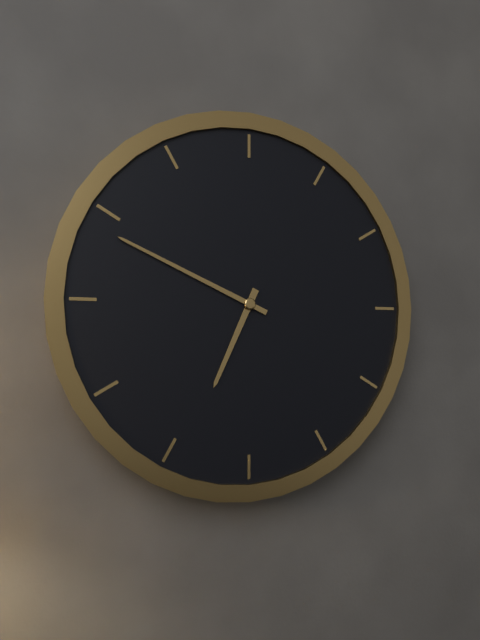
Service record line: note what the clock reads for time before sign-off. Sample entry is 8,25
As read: 6,49
